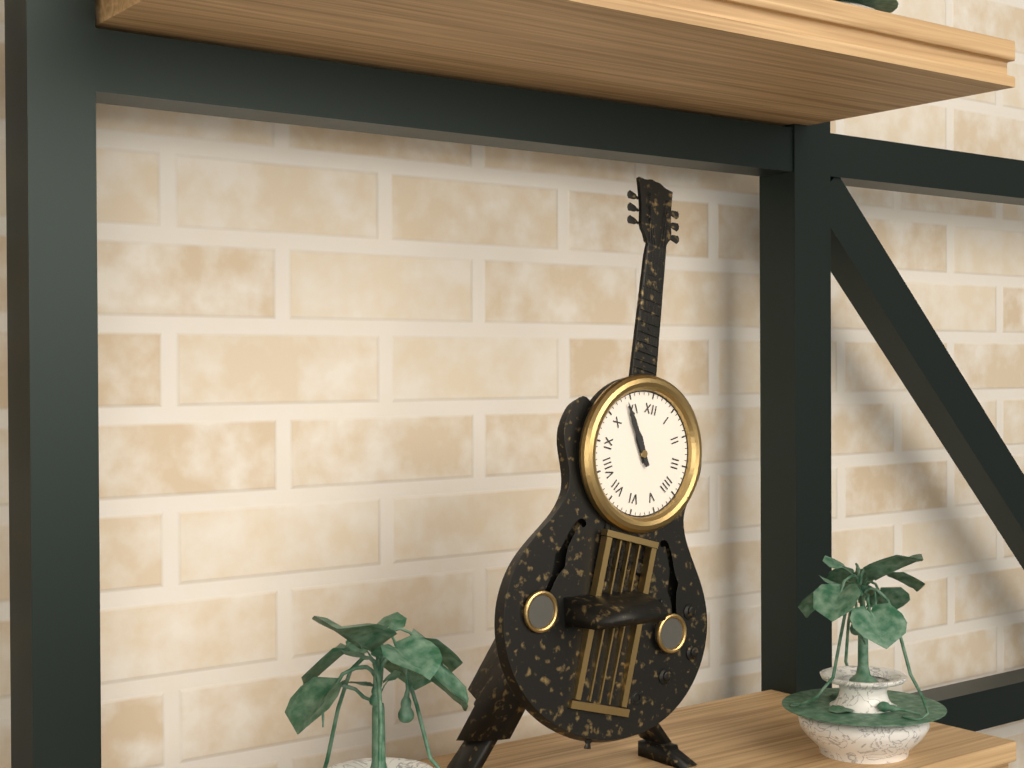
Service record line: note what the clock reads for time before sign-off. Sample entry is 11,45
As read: 10,54
